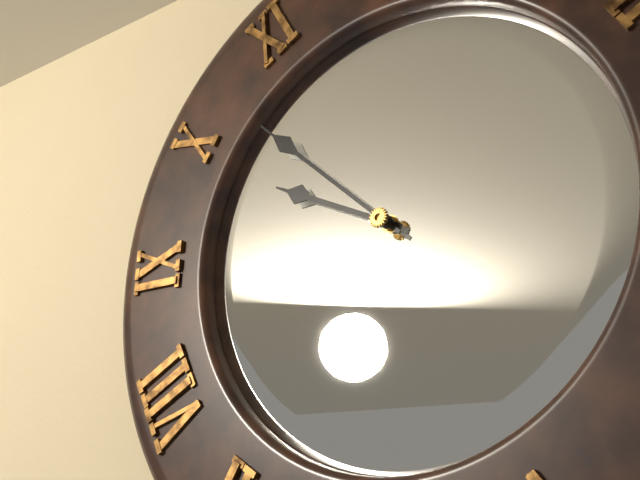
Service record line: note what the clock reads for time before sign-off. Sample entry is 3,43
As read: 9,52
